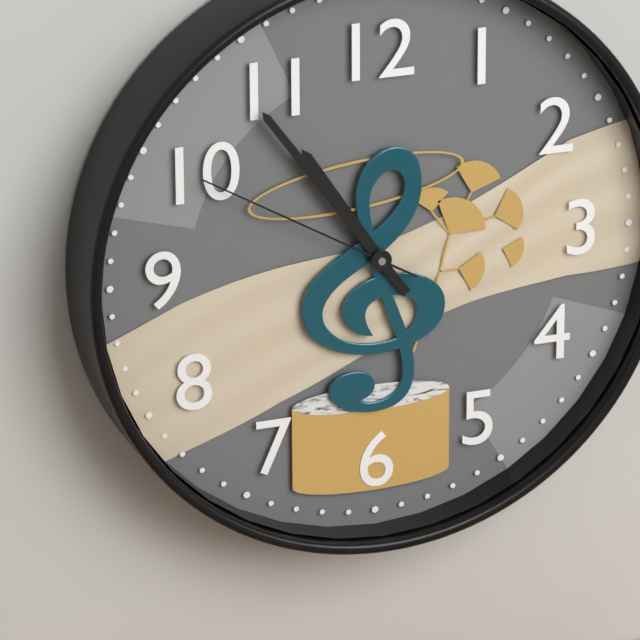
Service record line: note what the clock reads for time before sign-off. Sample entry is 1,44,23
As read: 10,54,50
